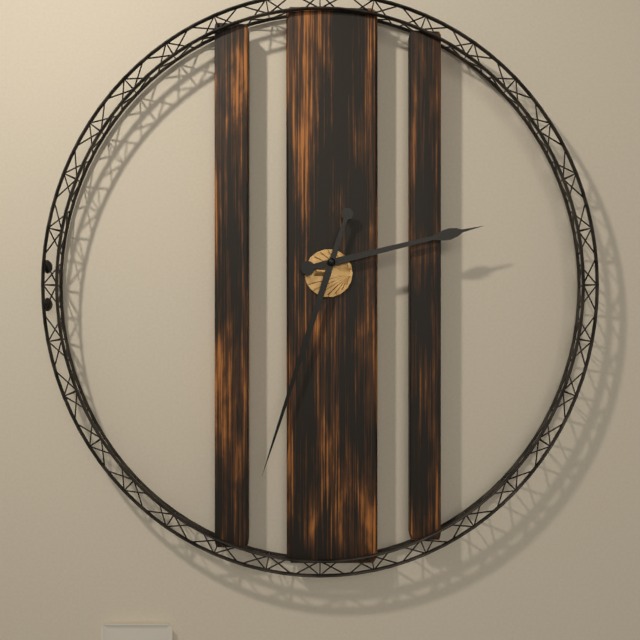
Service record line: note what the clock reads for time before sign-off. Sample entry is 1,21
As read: 2,33
